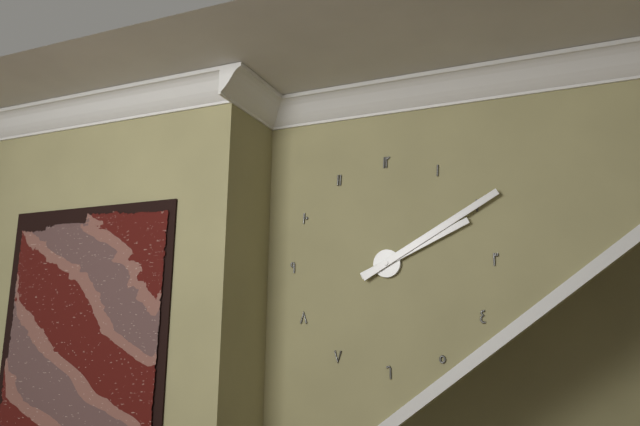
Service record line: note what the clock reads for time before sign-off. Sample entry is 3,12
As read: 2,10
